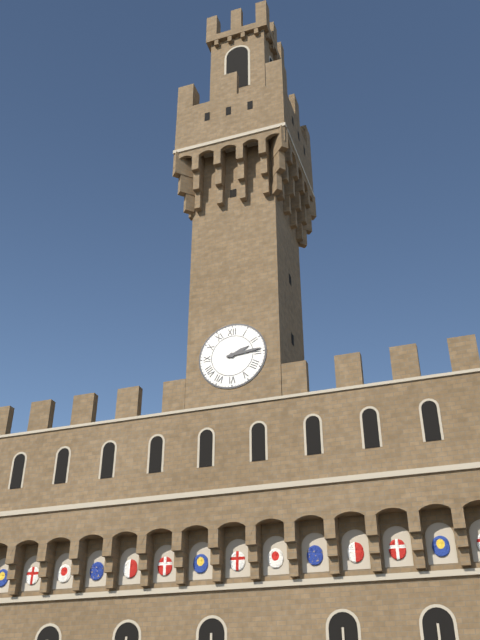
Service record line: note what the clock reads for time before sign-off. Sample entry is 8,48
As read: 2,14
